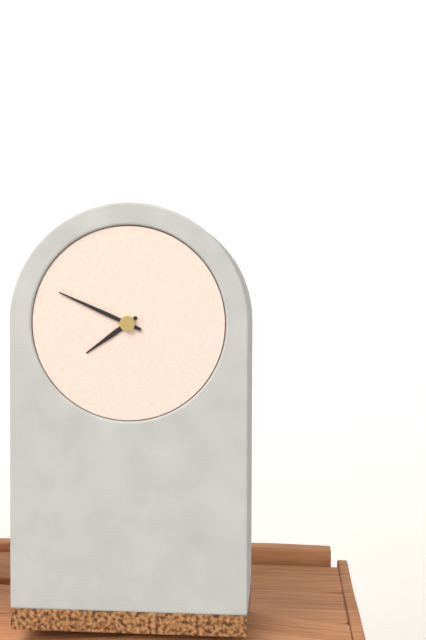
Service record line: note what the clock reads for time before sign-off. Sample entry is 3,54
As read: 7,49
